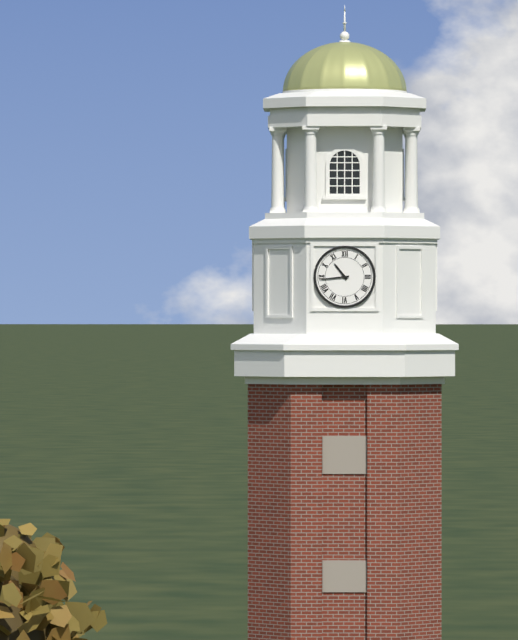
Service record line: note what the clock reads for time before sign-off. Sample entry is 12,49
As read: 10,44
